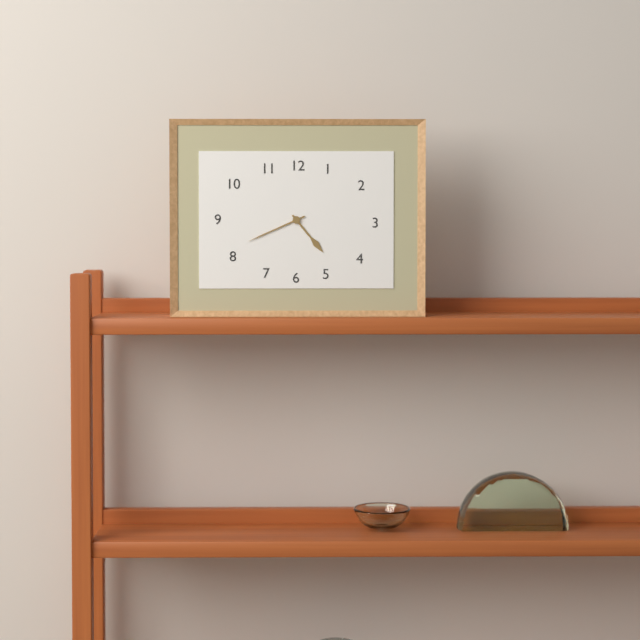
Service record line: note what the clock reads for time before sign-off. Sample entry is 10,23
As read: 4,41
